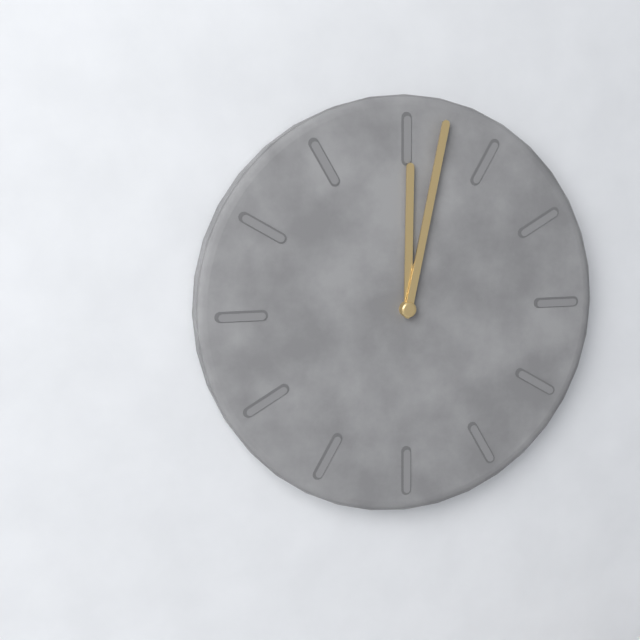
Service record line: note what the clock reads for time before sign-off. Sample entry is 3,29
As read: 12,02
